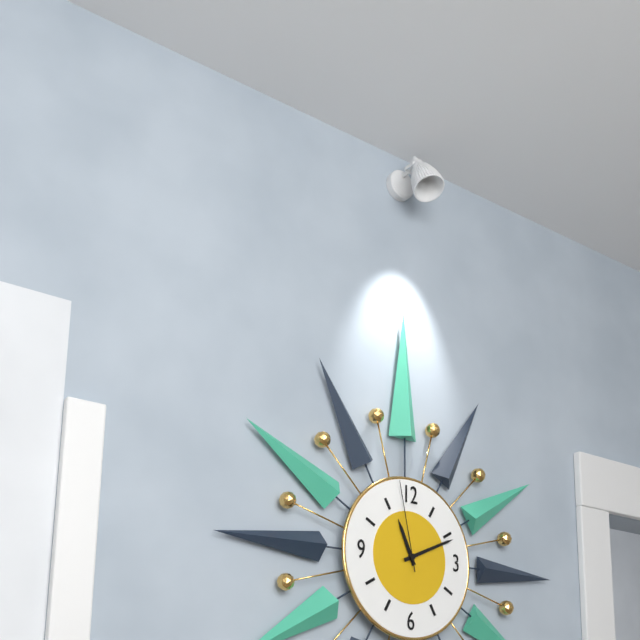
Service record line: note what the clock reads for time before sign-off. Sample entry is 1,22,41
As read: 11,11,58
